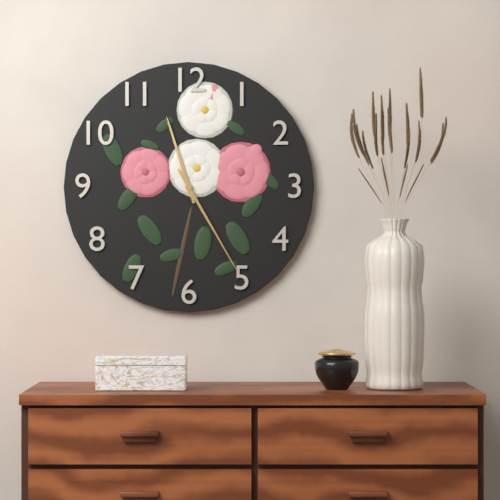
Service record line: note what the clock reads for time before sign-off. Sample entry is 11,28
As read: 11,25
